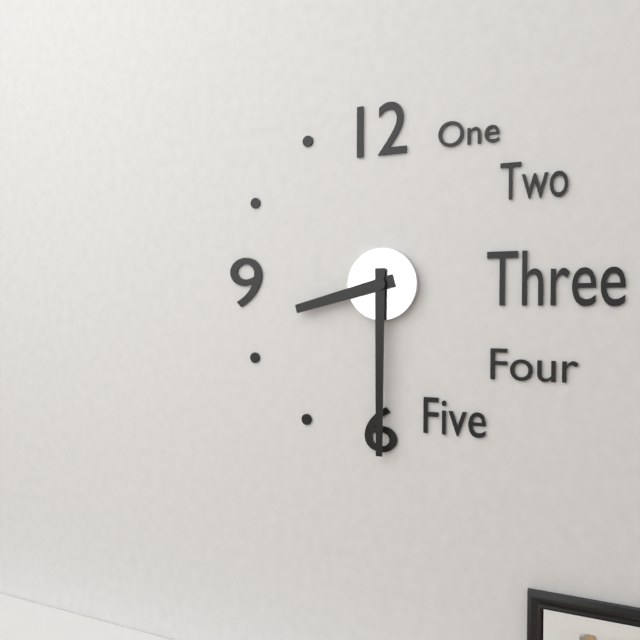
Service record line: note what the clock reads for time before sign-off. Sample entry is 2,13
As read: 8,30
